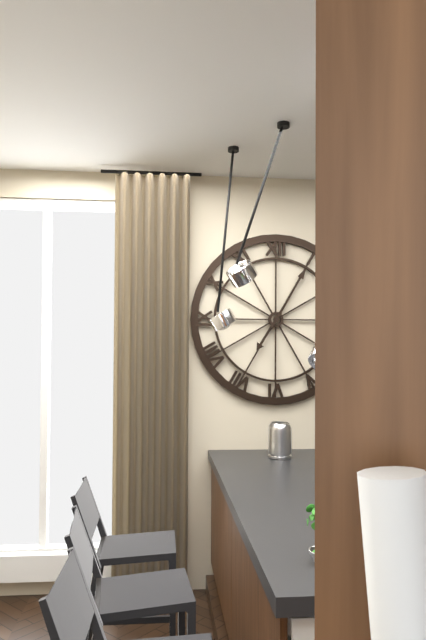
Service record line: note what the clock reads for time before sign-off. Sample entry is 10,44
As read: 7,05
